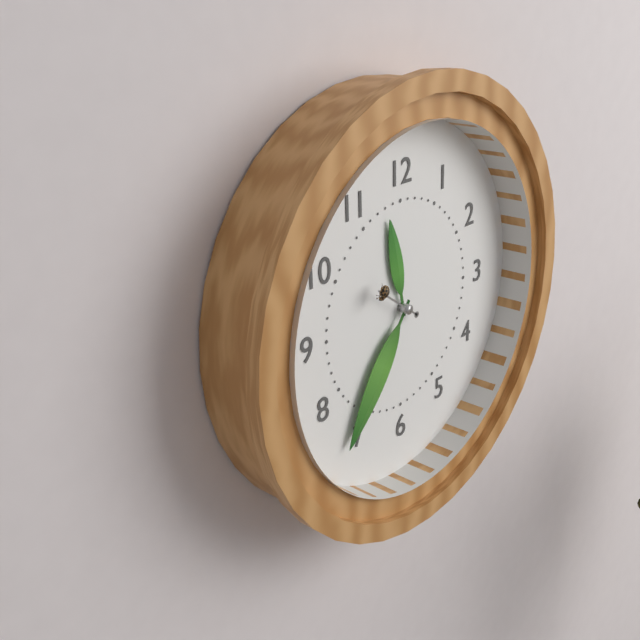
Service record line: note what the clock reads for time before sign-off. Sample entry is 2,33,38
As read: 11,36,51
